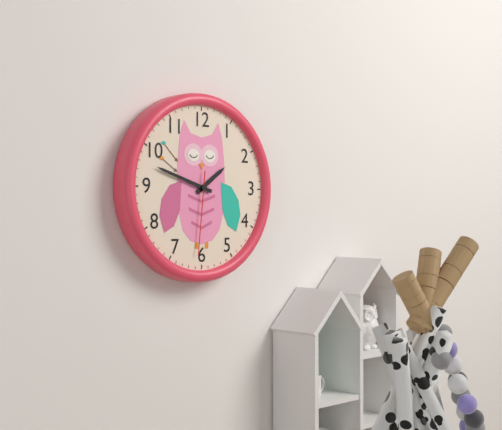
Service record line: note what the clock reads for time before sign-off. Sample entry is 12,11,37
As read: 1,48,31
